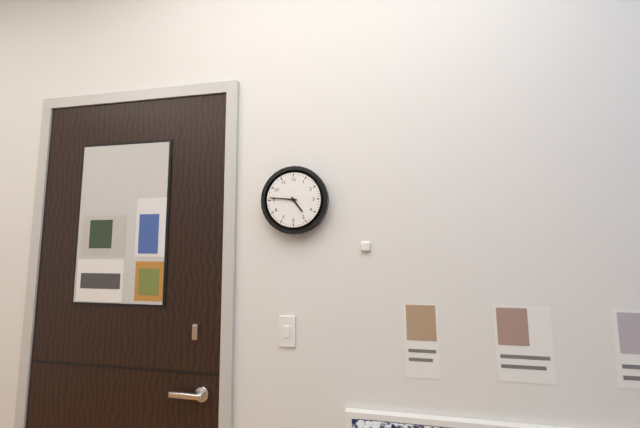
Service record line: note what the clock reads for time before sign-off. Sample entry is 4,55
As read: 4,46
